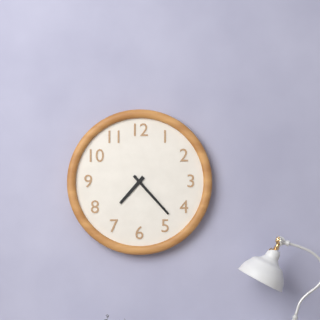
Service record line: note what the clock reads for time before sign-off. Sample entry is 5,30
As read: 7,23
